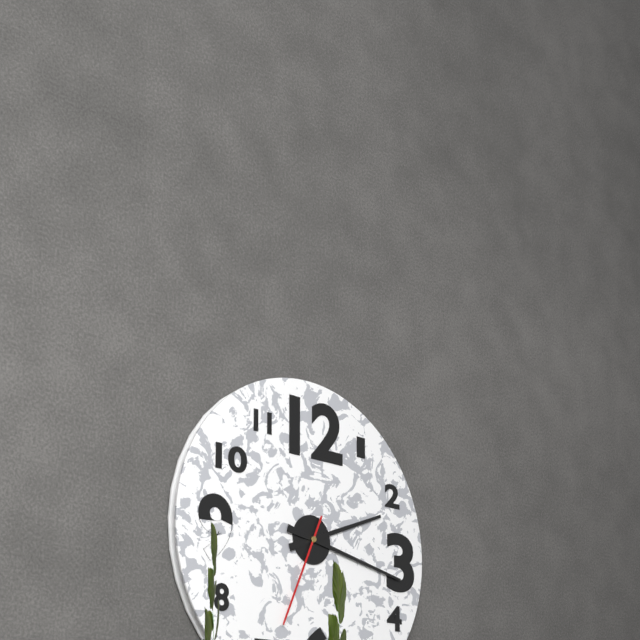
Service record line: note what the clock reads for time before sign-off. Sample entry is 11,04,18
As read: 2,17,34
